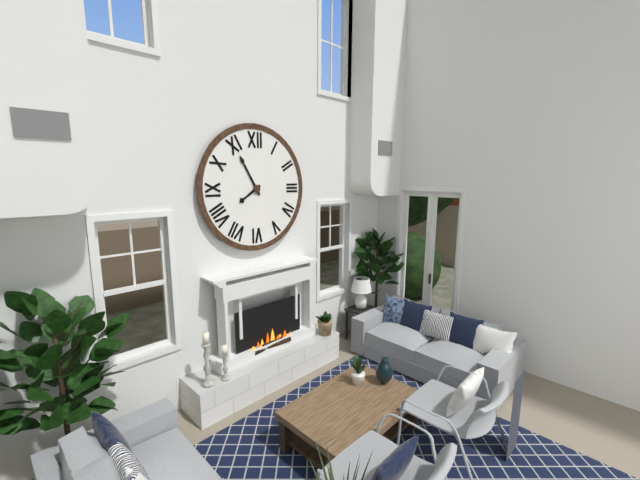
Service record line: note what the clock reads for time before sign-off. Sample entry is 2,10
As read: 7,55
